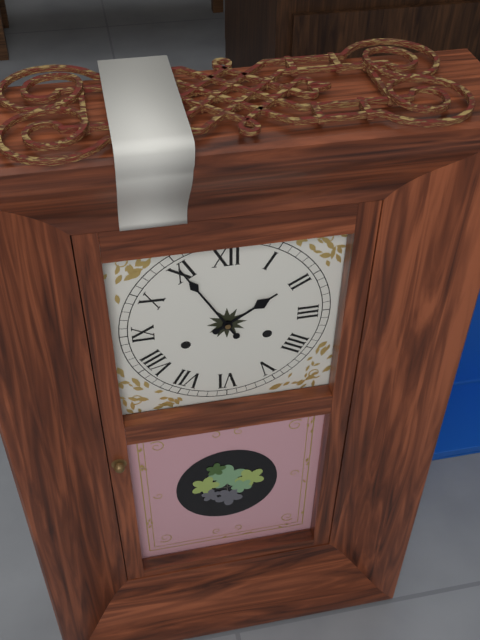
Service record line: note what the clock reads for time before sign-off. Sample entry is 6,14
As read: 1,55
